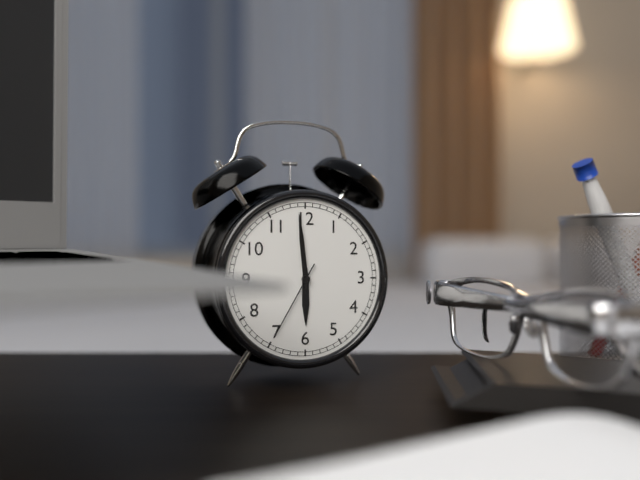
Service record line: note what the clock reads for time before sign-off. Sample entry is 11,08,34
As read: 5,59,35
